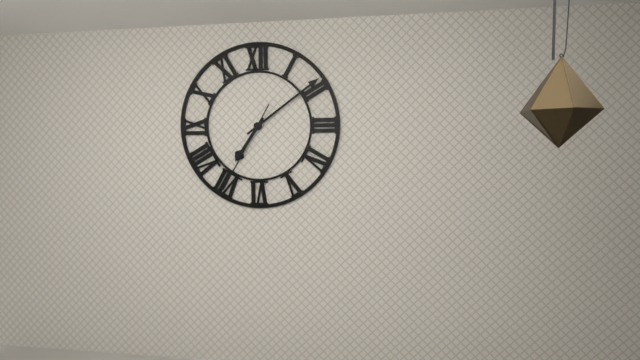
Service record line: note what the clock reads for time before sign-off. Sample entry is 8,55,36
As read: 7,09,35
